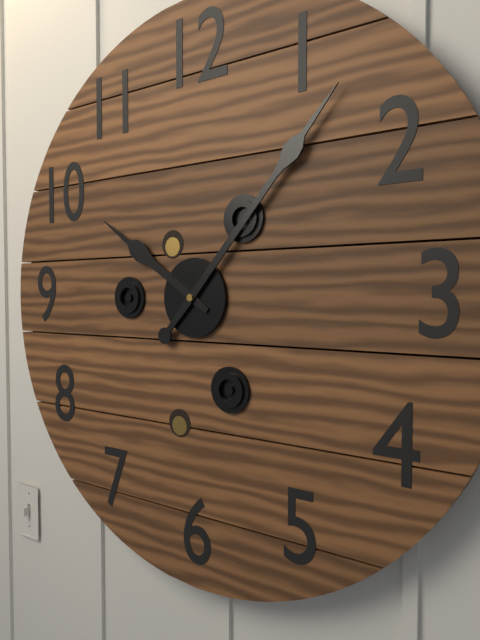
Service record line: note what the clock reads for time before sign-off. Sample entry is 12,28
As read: 10,07
